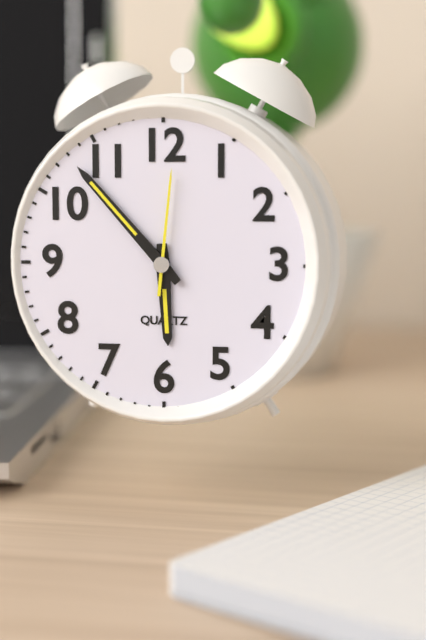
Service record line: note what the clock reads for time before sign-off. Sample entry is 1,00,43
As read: 5,53,01
